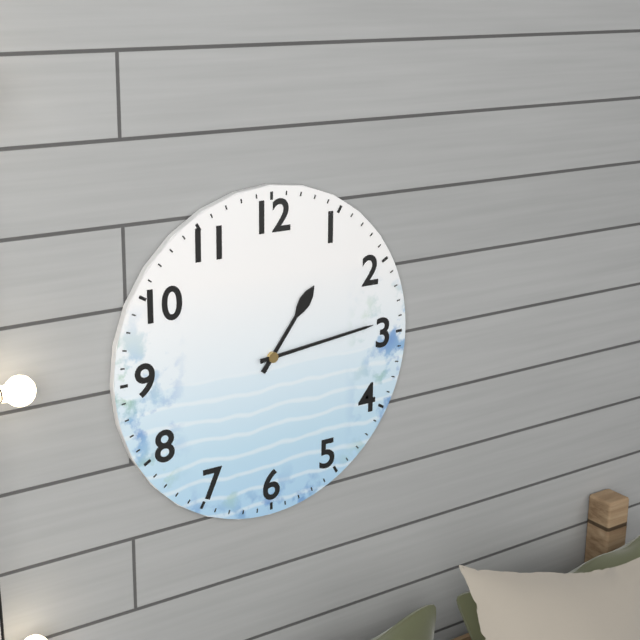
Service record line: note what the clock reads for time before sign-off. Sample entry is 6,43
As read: 1,14
